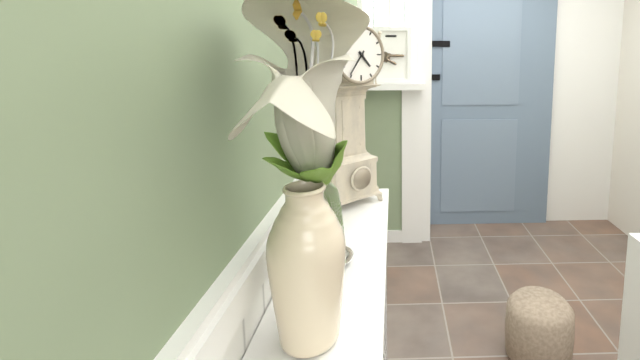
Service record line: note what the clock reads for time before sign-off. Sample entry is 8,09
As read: 4,36
